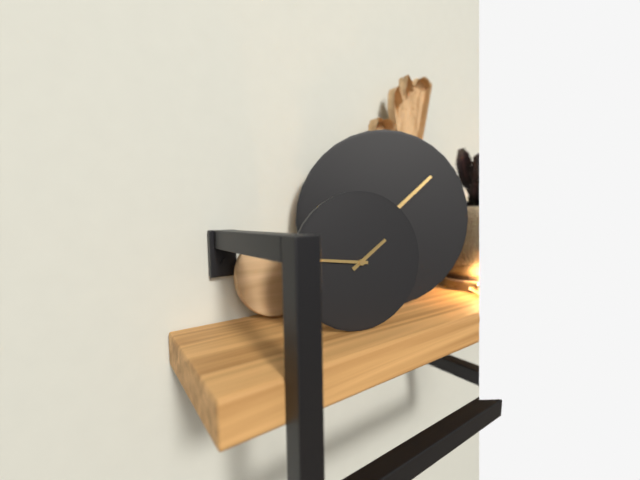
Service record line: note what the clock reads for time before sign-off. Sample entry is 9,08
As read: 1,46
